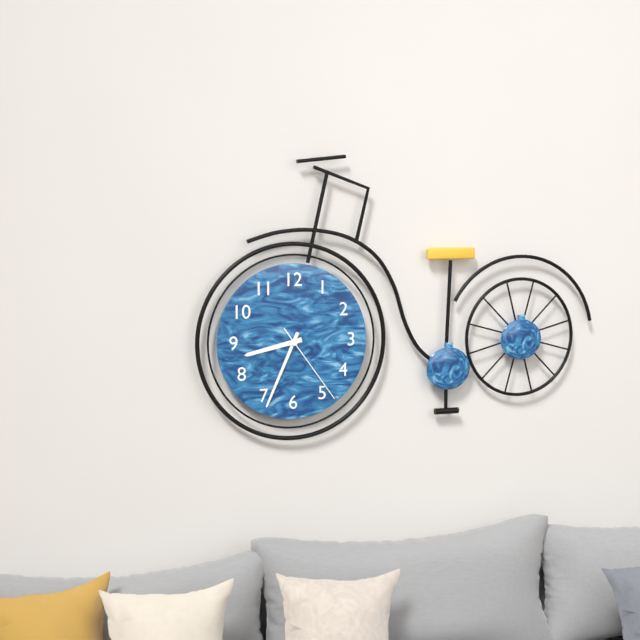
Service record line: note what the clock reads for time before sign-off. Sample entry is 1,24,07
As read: 8,34,24
